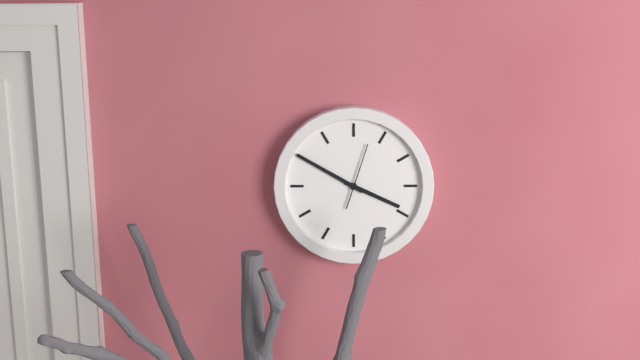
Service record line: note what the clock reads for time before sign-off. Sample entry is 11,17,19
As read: 3,50,03
